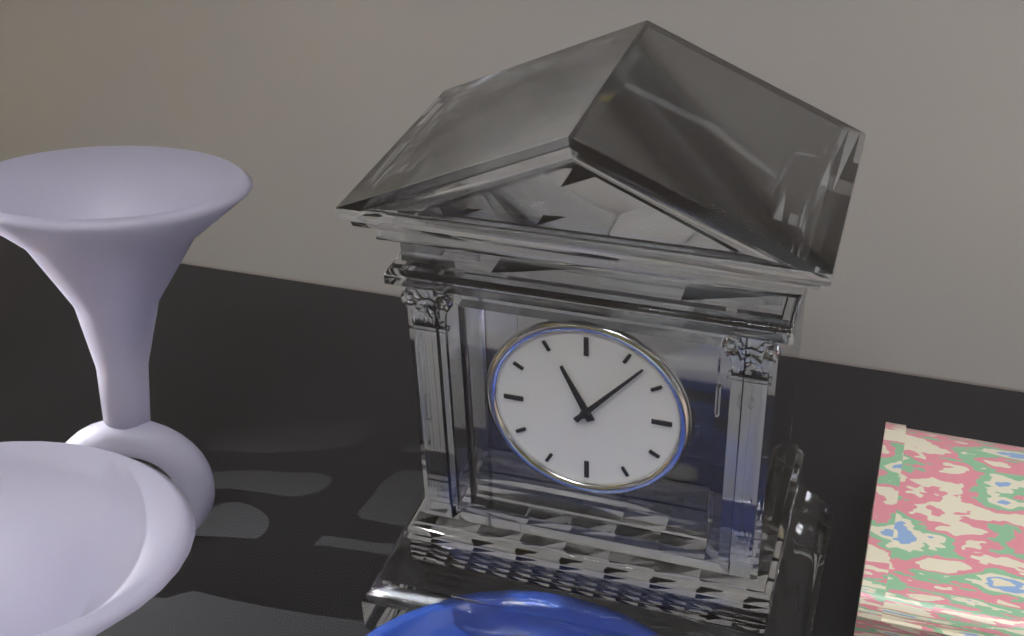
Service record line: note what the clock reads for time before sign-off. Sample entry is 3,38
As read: 11,07
